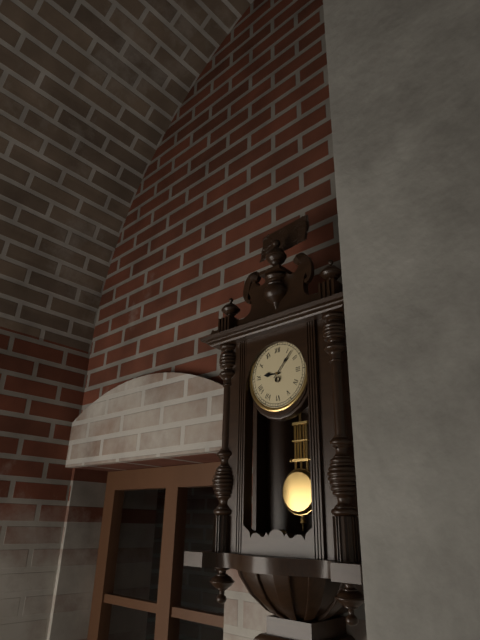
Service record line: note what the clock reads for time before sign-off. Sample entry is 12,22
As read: 9,07
